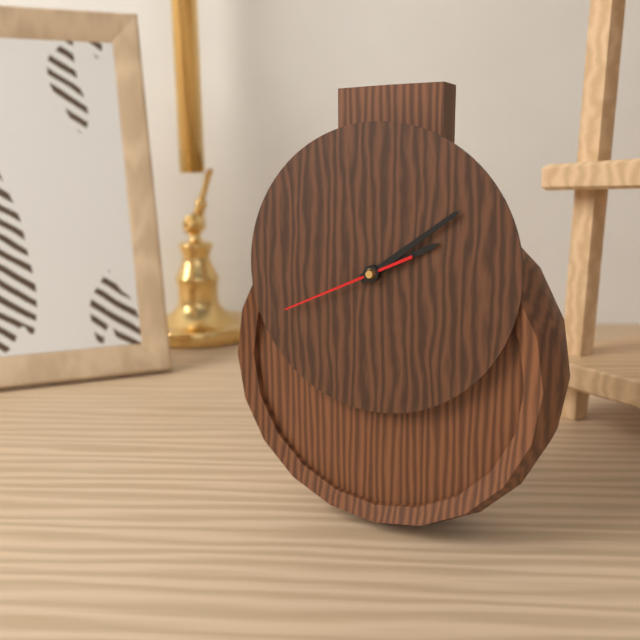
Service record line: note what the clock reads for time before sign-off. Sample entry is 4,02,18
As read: 2,09,41
